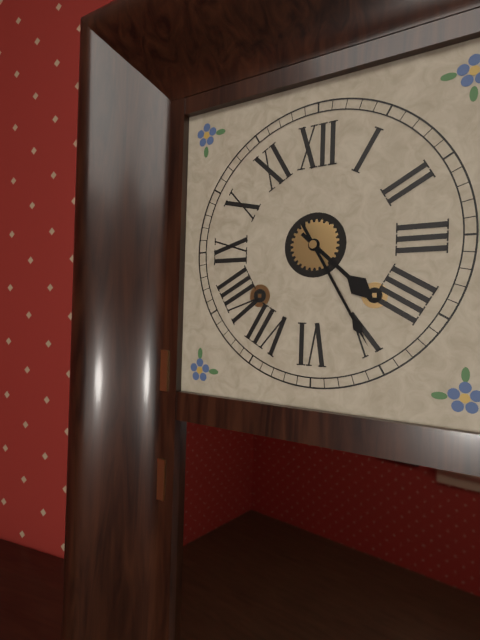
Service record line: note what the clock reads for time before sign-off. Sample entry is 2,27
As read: 4,25
